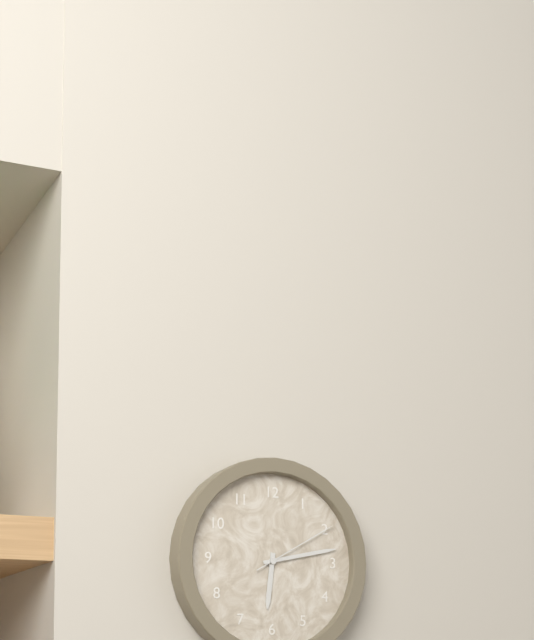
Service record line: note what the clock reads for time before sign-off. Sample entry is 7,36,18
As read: 6,13,10
